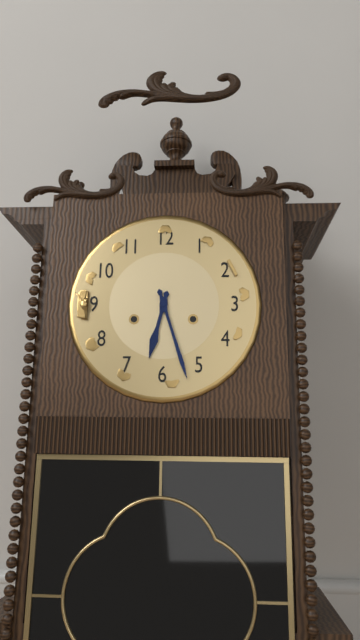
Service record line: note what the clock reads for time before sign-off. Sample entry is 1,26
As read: 6,27
